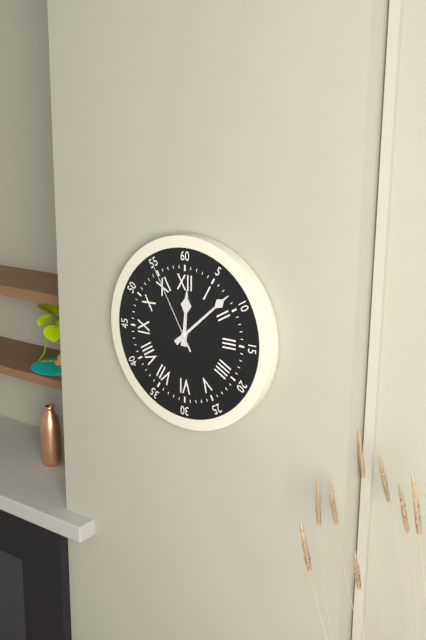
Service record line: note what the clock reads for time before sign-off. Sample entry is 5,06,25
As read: 12,08,55
